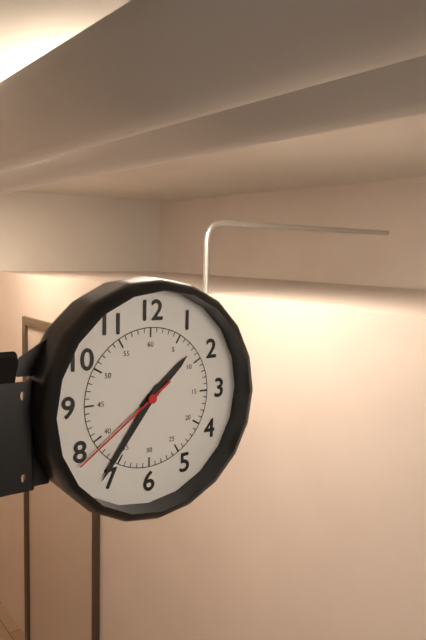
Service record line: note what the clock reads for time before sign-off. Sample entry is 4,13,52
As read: 1,36,39
